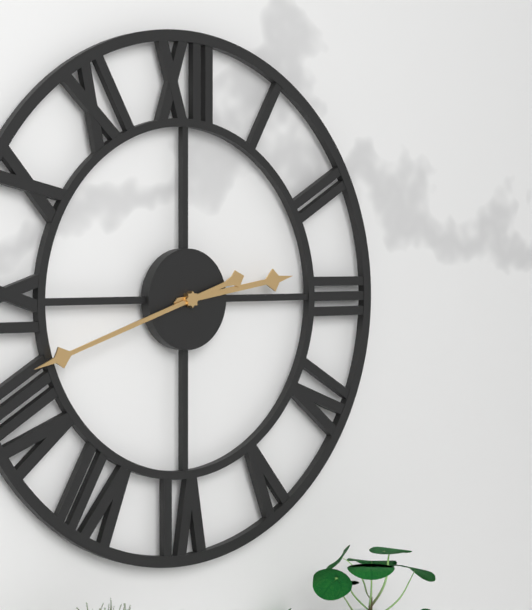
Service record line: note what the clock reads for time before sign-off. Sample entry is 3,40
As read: 2,42
